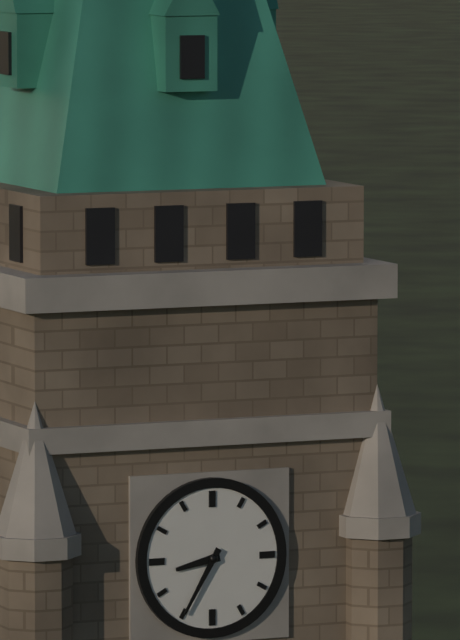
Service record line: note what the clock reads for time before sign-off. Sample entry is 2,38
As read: 8,35
